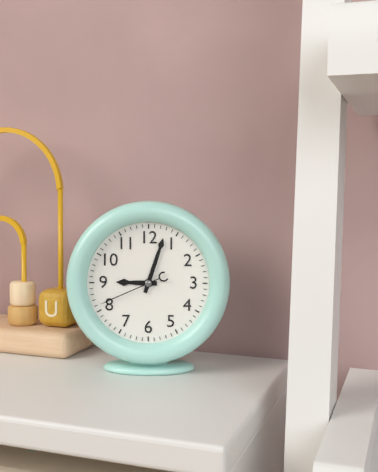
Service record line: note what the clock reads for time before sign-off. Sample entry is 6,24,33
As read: 9,03,41
